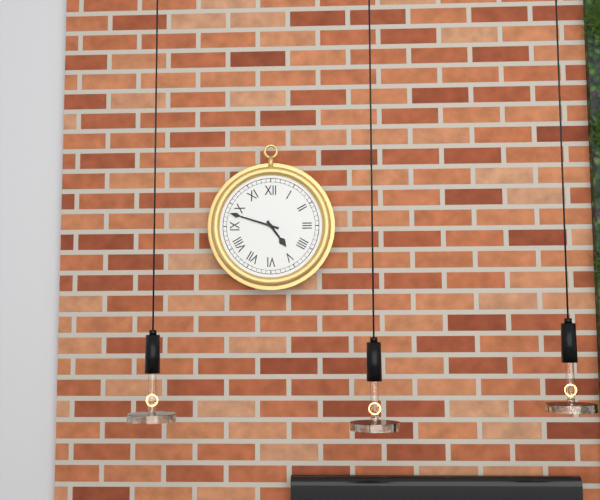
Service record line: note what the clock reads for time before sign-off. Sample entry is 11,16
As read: 4,48
